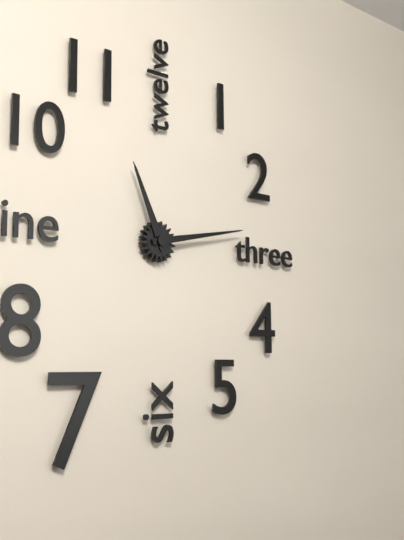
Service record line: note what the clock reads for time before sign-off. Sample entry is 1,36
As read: 11,13
